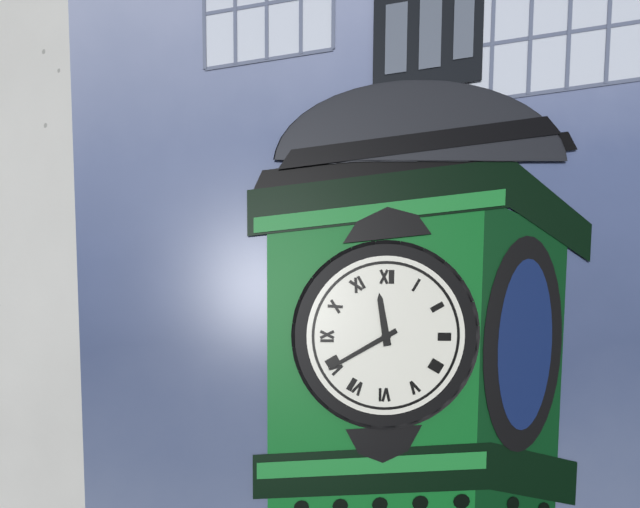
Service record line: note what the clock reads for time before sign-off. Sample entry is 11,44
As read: 11,40
